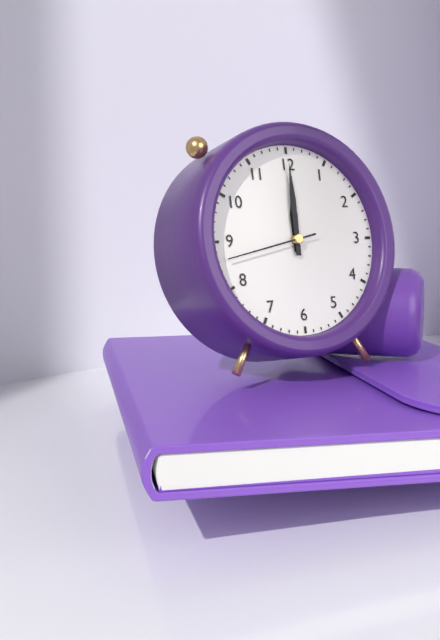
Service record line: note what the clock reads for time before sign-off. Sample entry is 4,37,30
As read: 12,00,43
